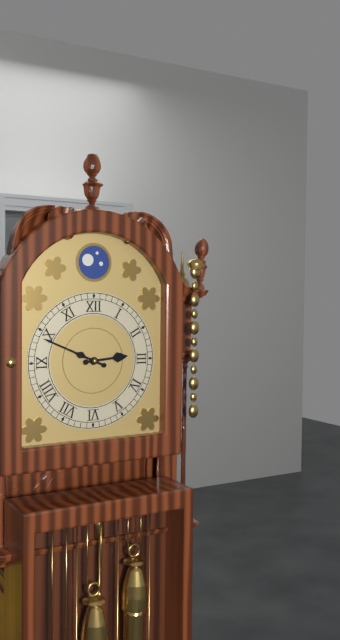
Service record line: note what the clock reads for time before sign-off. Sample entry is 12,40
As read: 2,49
